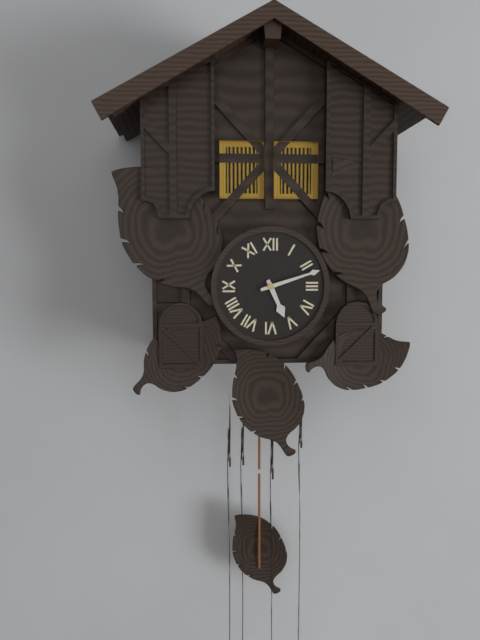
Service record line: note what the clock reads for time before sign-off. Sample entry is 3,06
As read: 5,12
